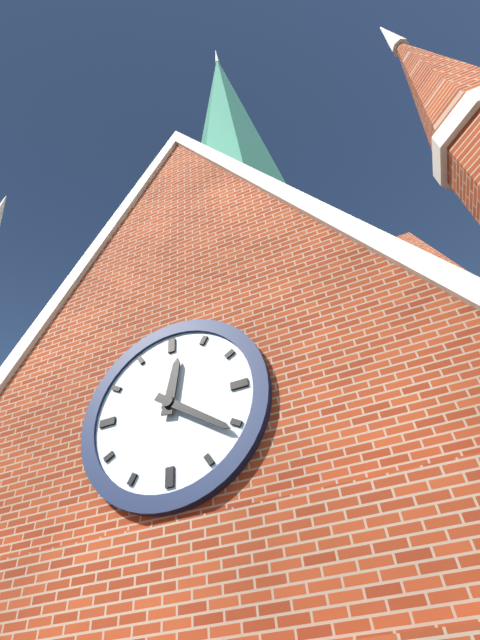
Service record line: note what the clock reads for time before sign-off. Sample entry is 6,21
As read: 12,21
